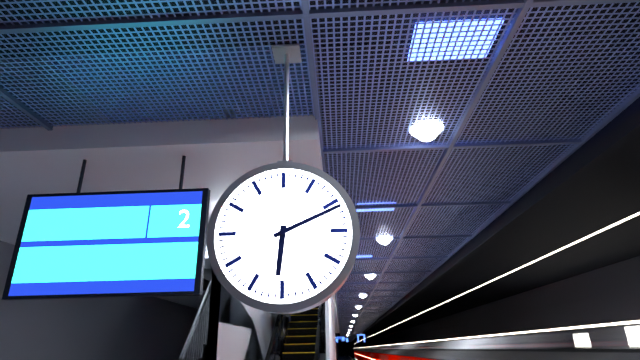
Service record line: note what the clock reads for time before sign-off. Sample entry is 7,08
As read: 6,11
